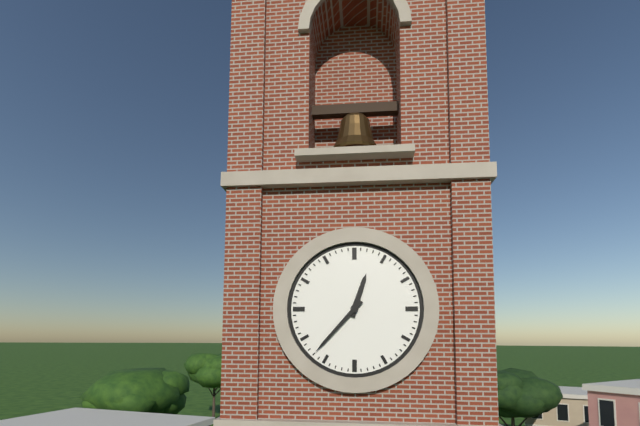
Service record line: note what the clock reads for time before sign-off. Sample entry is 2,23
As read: 12,37
